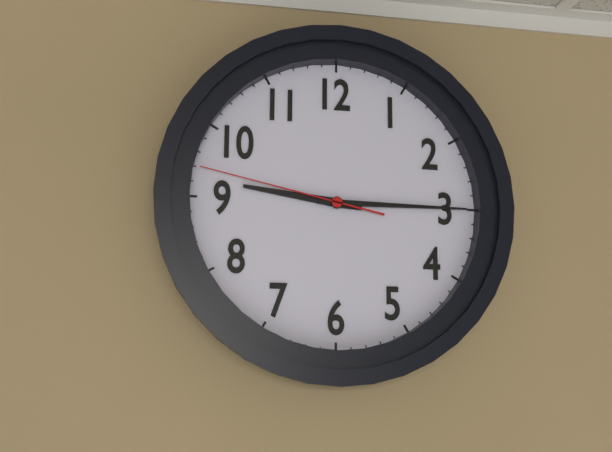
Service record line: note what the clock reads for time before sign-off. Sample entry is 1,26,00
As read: 9,15,47
